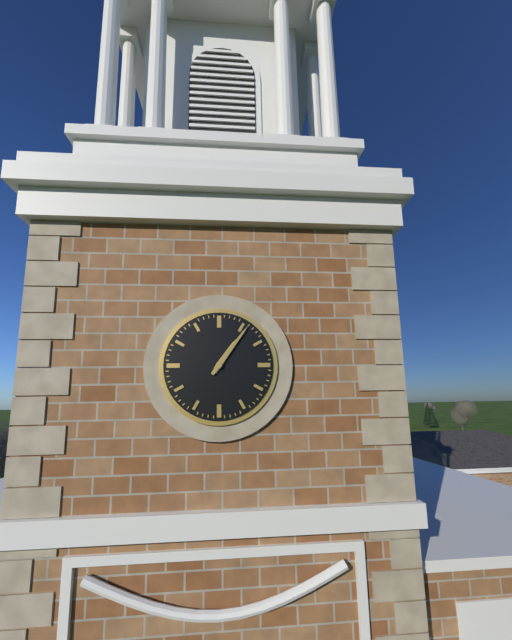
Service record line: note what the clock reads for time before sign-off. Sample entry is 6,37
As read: 1,06
